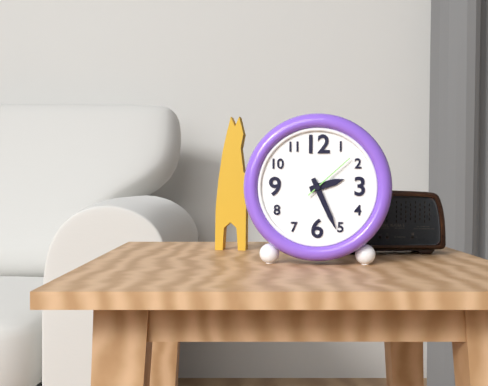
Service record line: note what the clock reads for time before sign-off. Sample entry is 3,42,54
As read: 2,26,08
